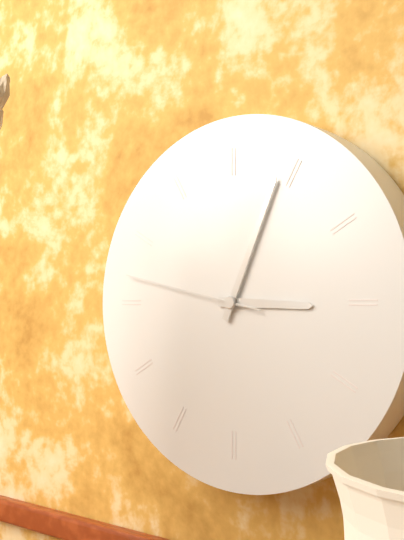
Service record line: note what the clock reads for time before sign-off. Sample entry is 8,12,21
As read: 3,04,47
